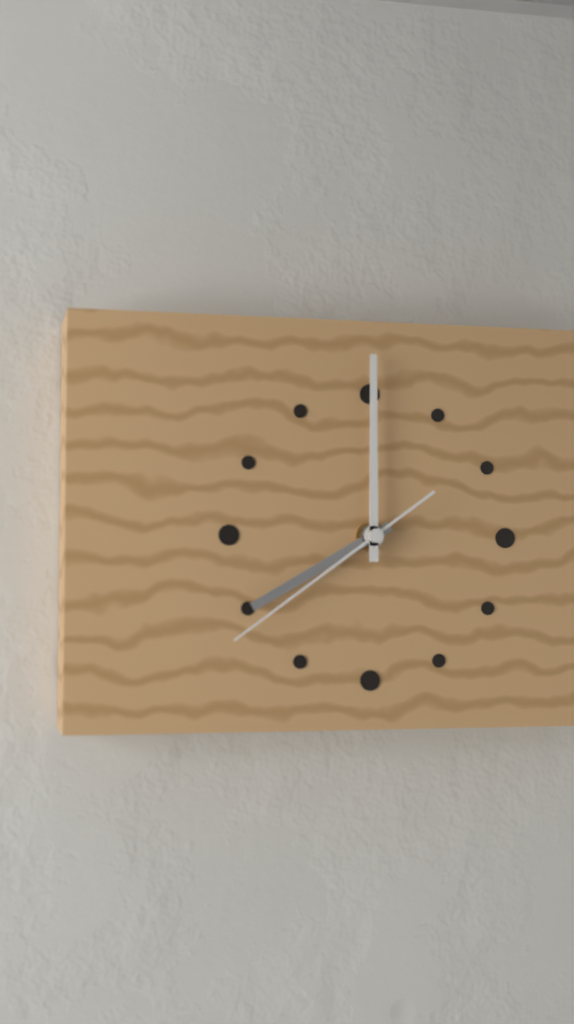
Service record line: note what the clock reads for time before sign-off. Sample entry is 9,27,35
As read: 8,00,39
